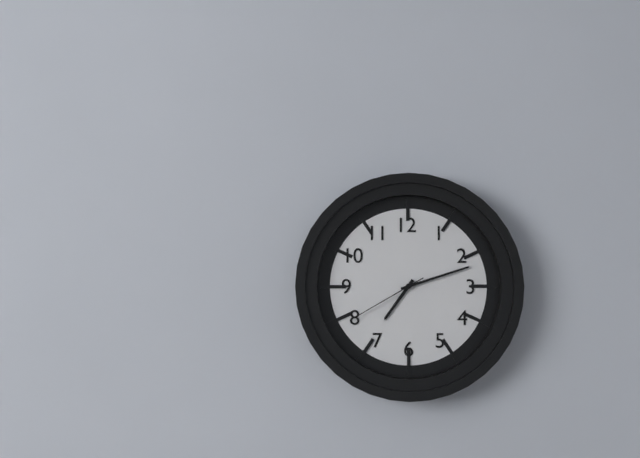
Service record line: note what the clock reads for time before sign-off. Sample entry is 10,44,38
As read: 7,12,40
